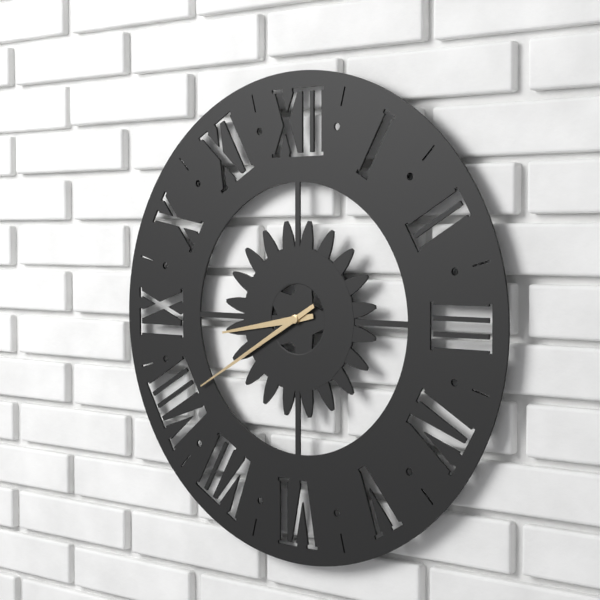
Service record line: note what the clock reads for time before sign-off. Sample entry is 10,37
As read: 8,40
